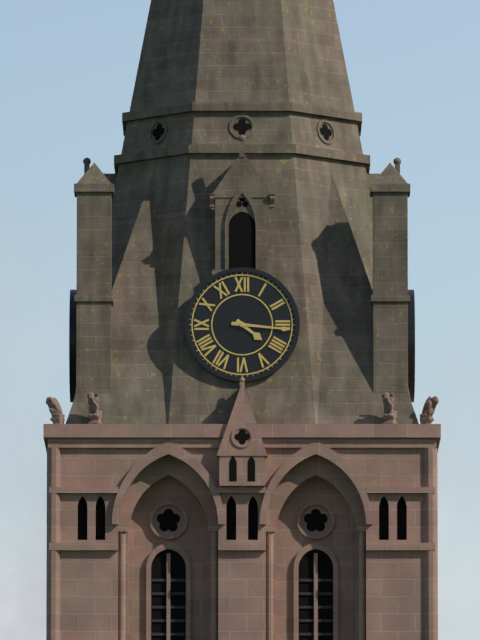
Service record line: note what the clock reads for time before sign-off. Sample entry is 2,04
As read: 4,16
